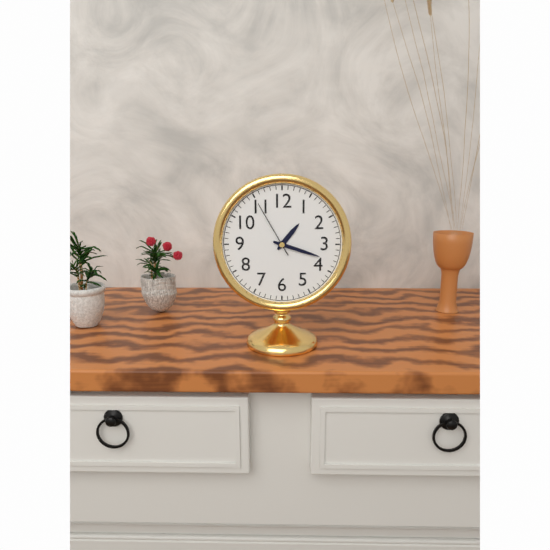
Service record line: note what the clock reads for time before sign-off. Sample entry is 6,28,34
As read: 1,18,55
